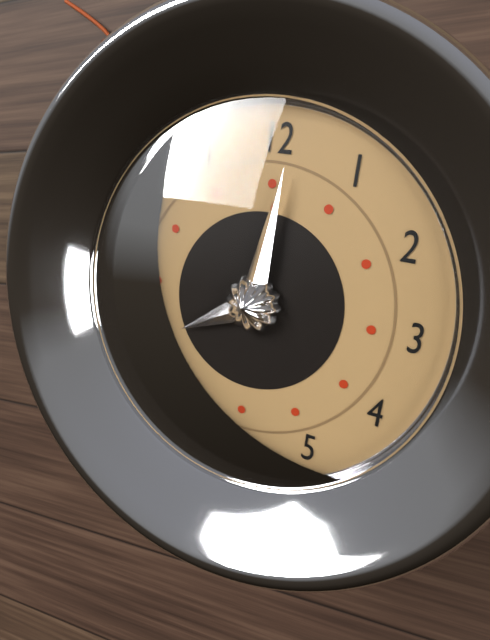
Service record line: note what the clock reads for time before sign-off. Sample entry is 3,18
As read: 8,01
